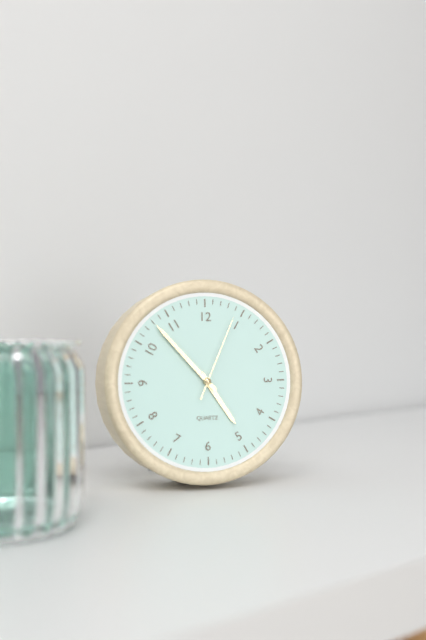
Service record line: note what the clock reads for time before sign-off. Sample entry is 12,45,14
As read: 4,53,04
